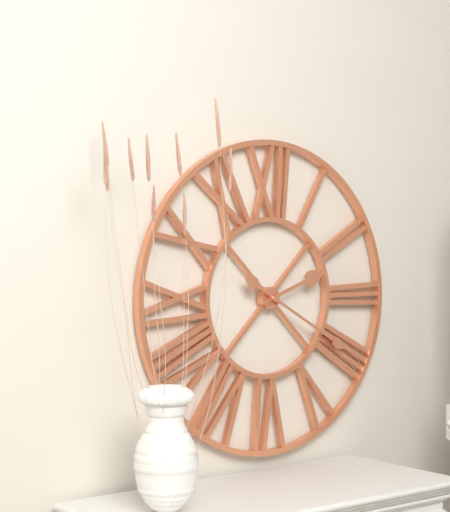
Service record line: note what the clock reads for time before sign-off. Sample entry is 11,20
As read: 2,20
